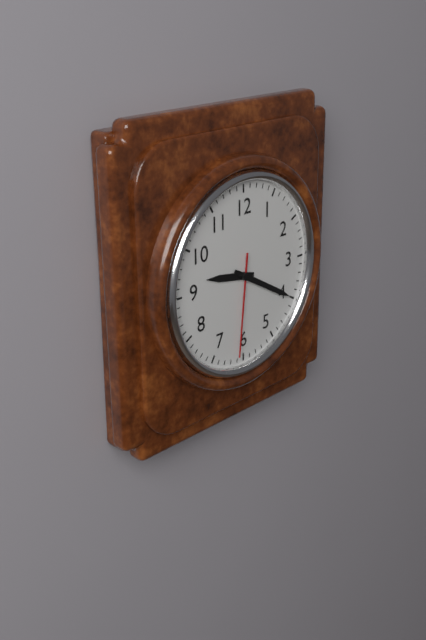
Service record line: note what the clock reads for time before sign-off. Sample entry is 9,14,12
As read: 9,20,31
